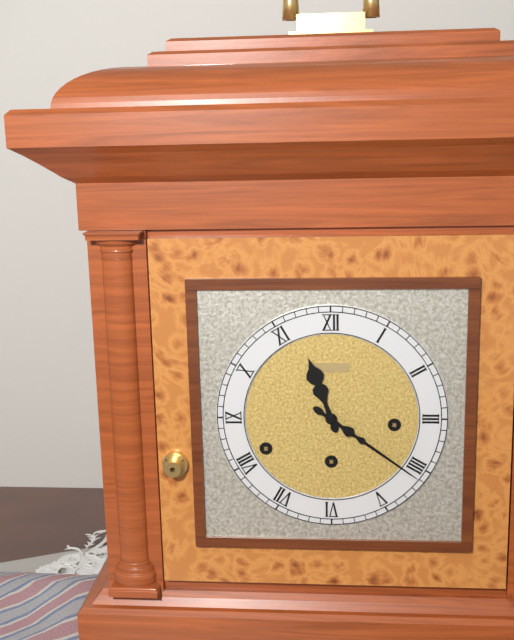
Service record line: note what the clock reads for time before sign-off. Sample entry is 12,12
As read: 11,21
